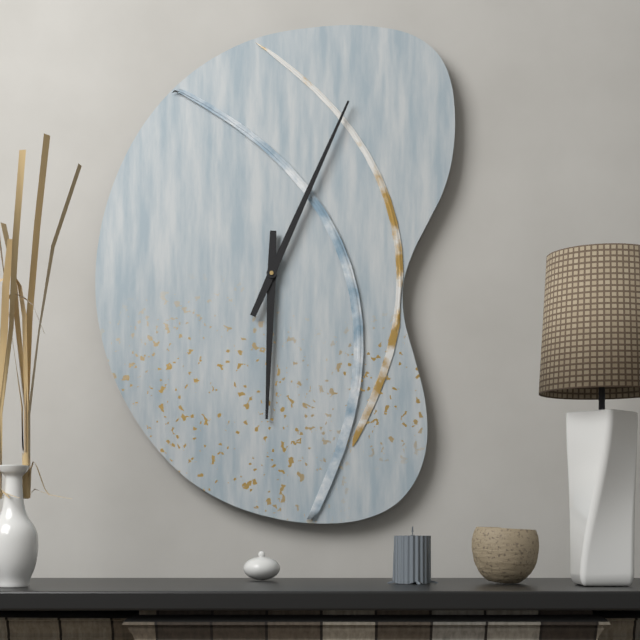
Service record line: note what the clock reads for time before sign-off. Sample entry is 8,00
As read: 6,04
